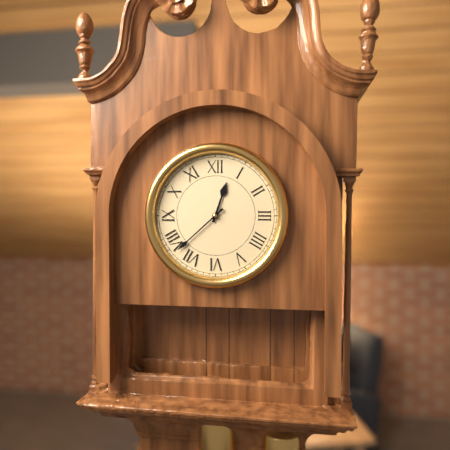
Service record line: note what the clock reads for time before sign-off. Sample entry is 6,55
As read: 12,38
